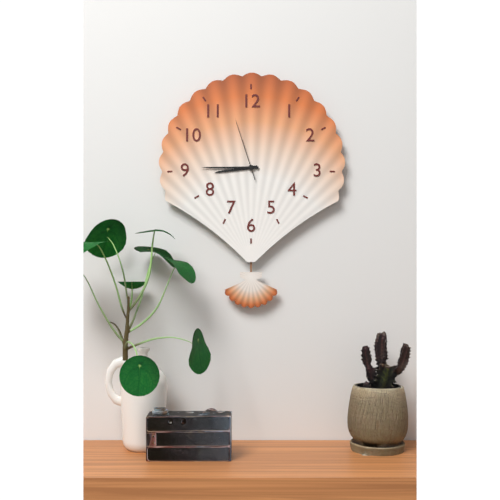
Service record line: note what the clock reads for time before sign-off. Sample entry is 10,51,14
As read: 8,45,57
